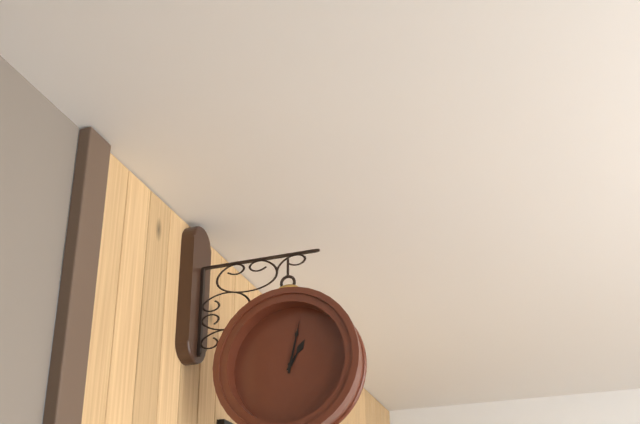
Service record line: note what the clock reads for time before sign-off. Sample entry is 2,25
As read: 1,02
